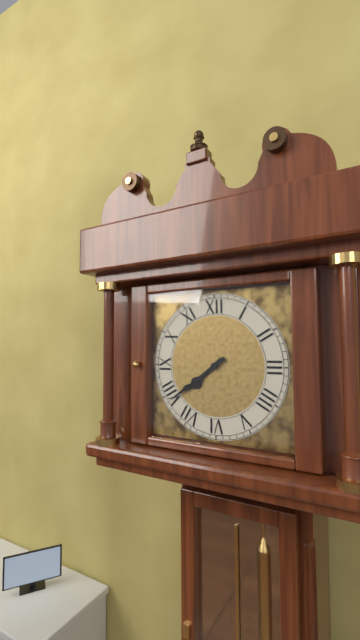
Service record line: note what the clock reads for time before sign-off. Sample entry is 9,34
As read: 7,39
